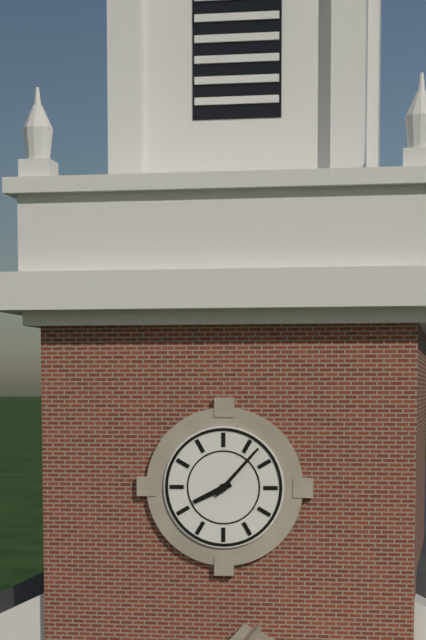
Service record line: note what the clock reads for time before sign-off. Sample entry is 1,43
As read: 8,07
